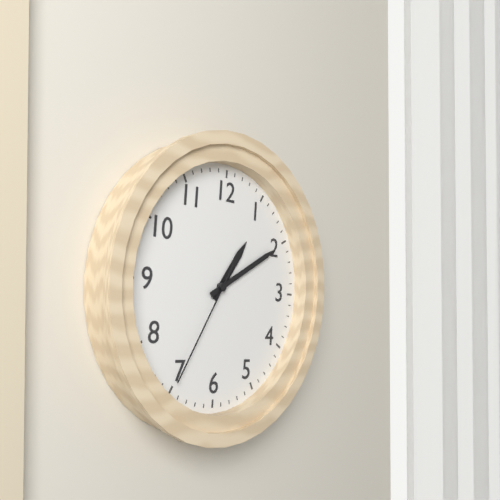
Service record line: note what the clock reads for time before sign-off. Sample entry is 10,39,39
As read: 1,10,35
